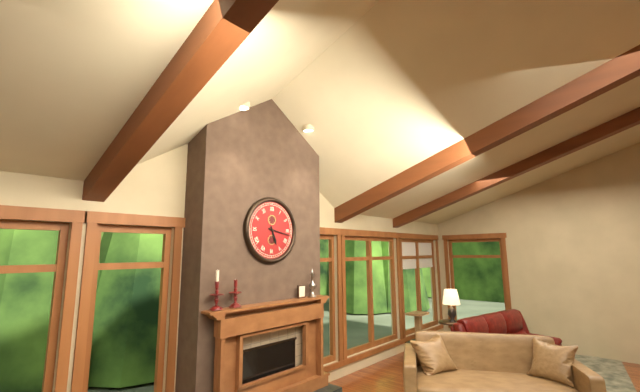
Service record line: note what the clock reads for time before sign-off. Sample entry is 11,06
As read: 5,17
